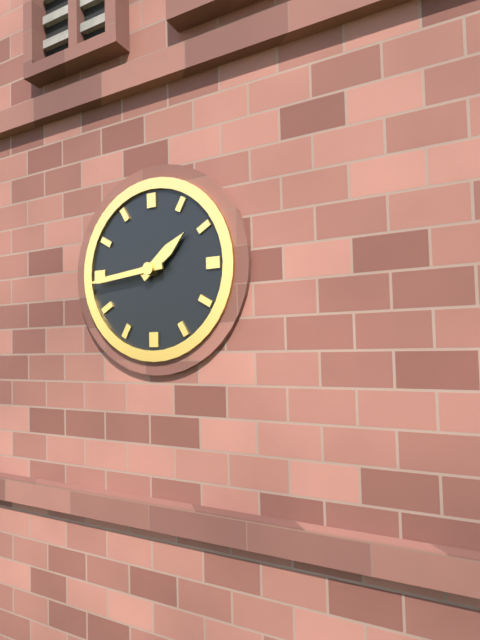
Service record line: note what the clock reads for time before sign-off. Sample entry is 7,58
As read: 1,44
